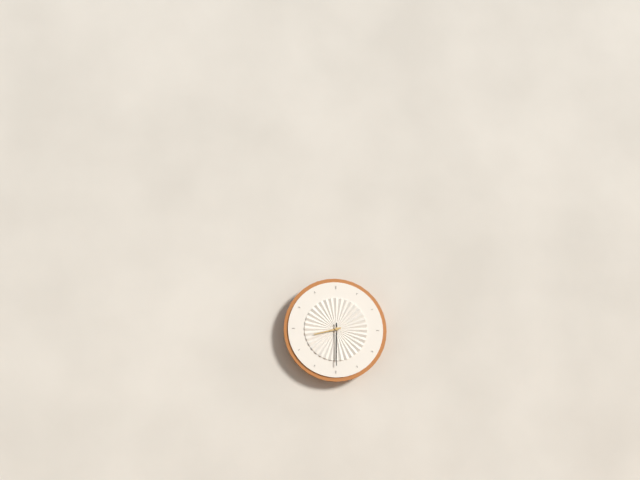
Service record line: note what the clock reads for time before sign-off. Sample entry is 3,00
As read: 8,30
